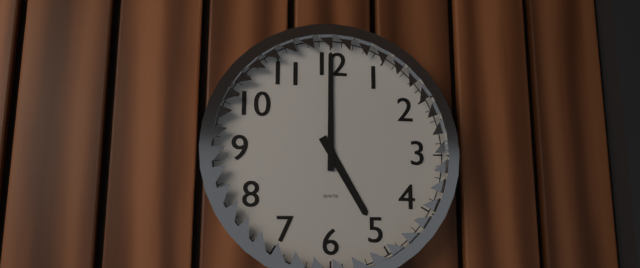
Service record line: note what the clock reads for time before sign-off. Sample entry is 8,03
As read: 5,00
